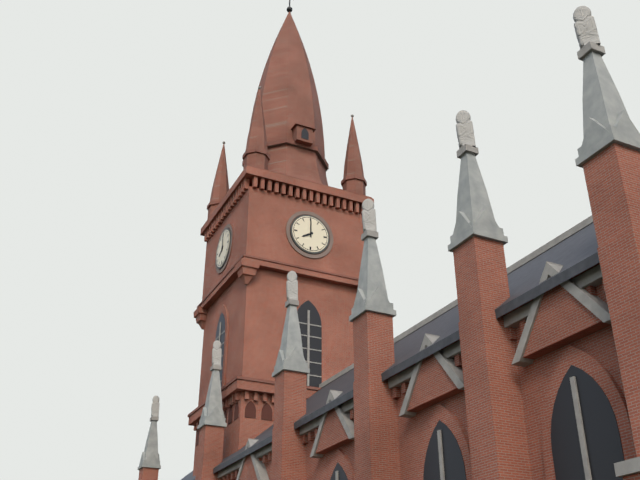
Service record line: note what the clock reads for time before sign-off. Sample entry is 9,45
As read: 8,00
